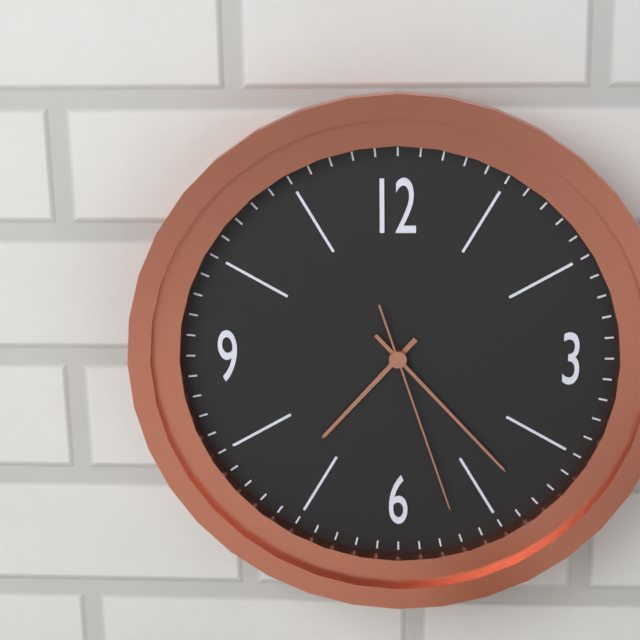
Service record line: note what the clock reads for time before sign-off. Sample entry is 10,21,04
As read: 7,23,27
